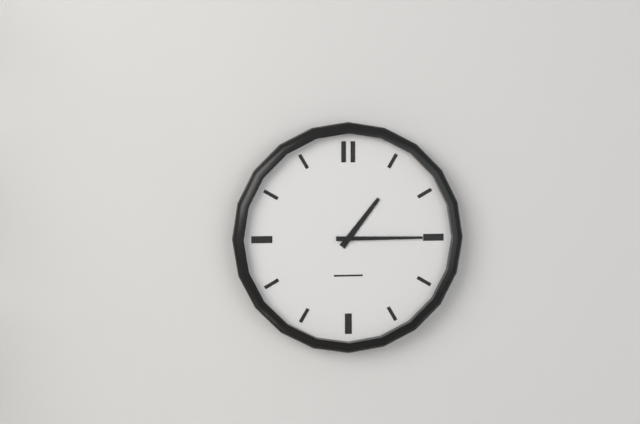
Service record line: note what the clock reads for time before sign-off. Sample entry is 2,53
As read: 1,15
